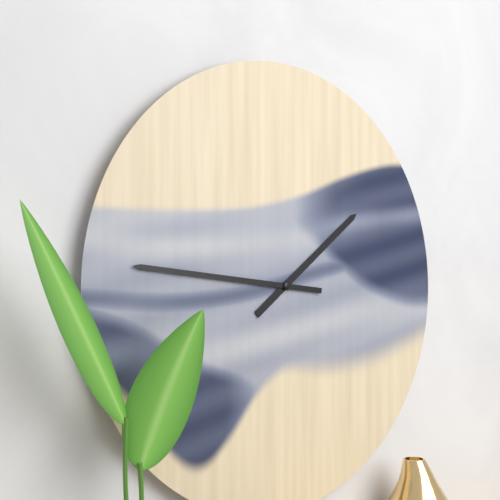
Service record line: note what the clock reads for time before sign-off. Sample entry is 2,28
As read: 1,46
